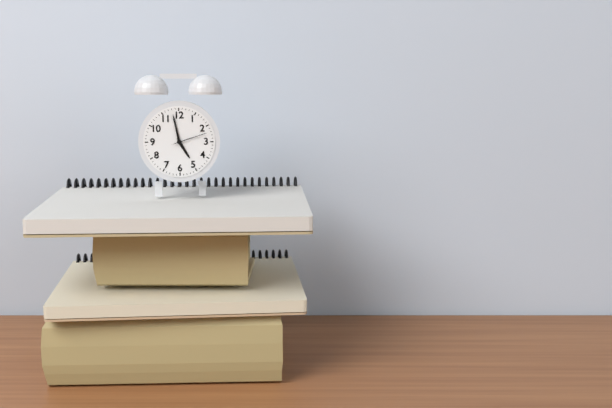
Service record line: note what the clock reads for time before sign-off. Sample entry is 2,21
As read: 4,58
